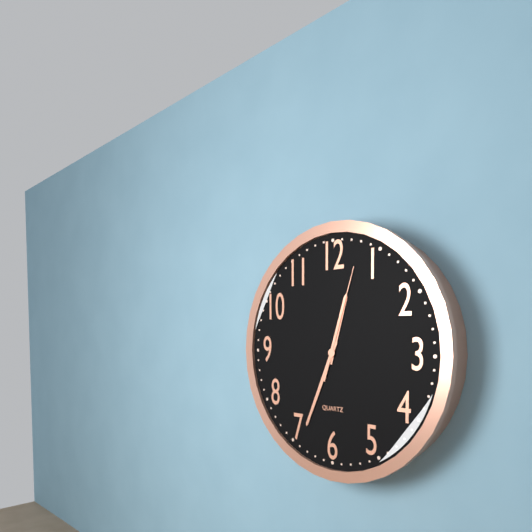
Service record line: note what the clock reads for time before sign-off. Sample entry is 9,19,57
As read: 12,34,03
